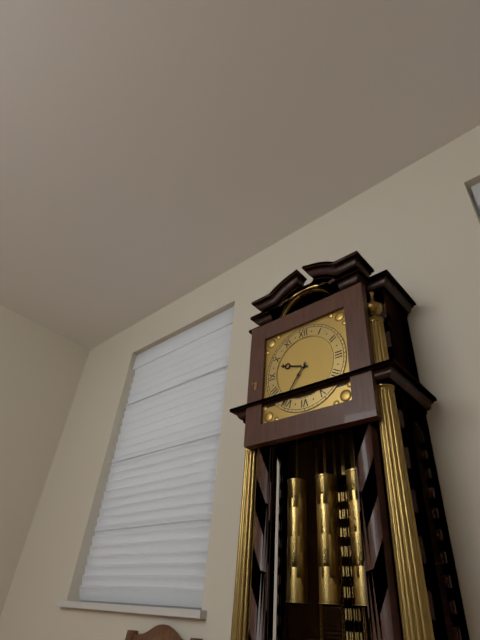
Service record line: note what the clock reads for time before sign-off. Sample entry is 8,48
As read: 9,36
